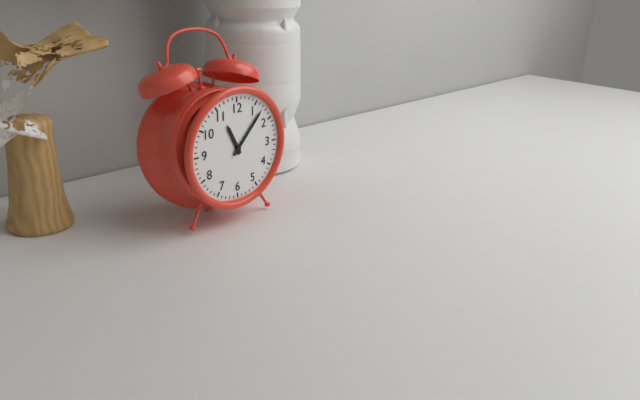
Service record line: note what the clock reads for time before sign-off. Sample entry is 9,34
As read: 11,07
